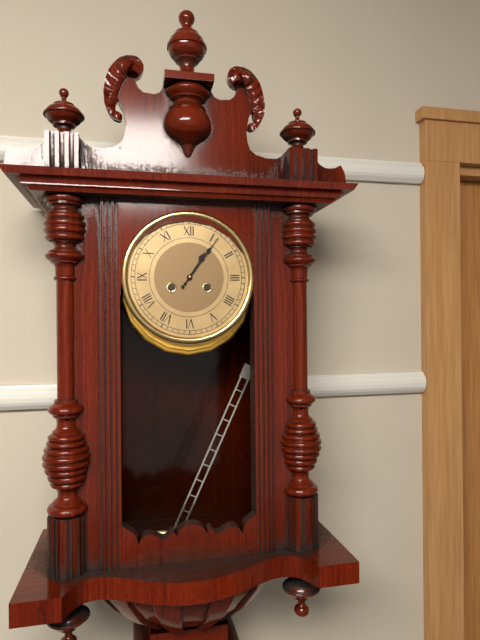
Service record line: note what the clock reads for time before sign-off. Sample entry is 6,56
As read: 1,06
